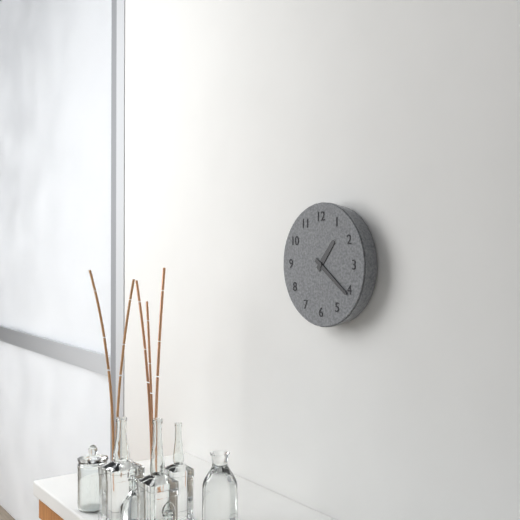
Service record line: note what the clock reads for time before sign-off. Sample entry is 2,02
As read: 1,21
